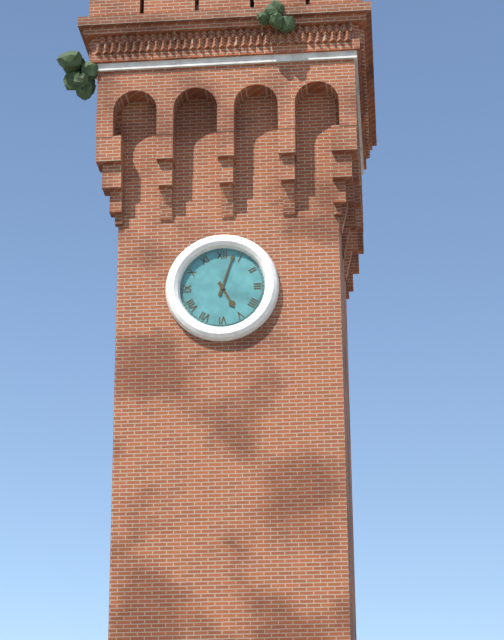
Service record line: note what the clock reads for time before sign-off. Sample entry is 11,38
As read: 5,03
